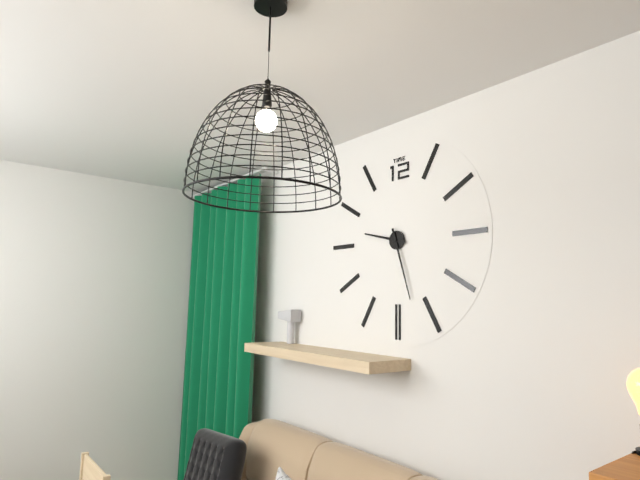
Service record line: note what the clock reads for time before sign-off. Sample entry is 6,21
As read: 9,27
